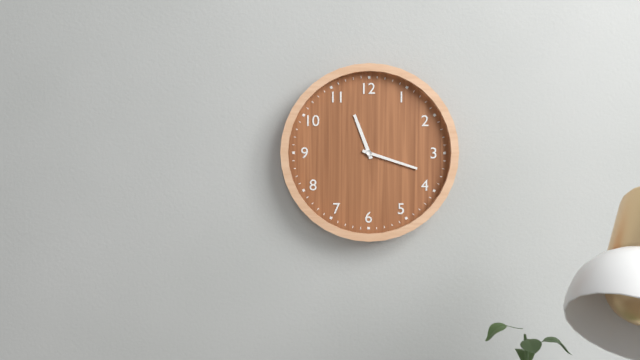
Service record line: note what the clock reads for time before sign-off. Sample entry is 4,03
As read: 11,18
